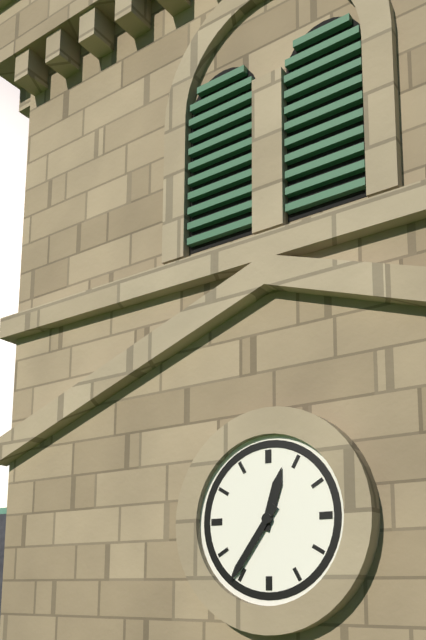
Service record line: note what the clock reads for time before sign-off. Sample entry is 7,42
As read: 12,36
